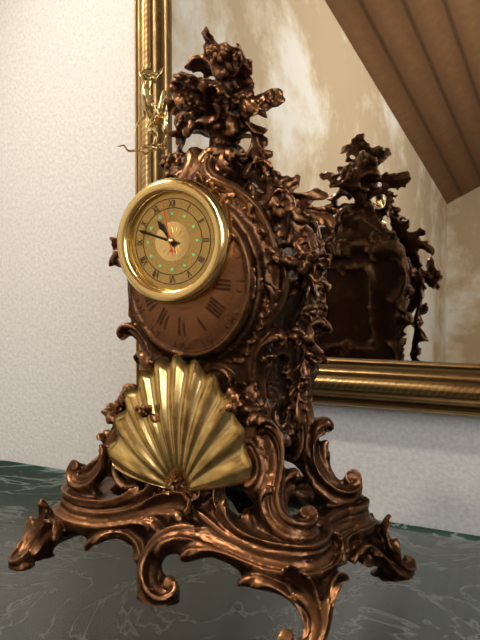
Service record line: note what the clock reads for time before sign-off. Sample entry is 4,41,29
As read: 10,48,58
